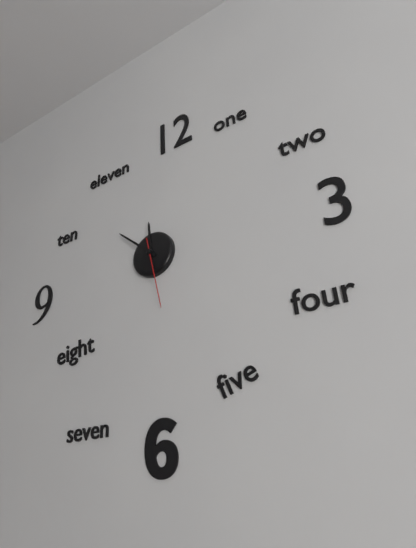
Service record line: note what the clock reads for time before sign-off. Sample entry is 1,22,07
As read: 11,52,28
